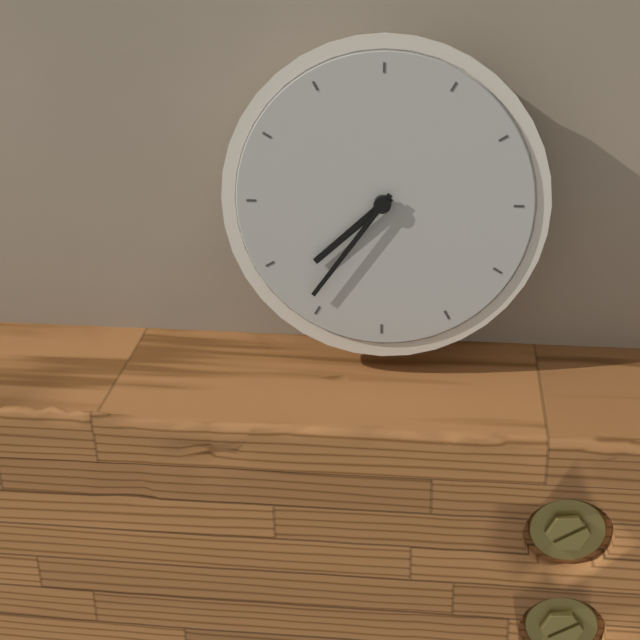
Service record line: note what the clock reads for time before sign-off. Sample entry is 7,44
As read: 7,36
